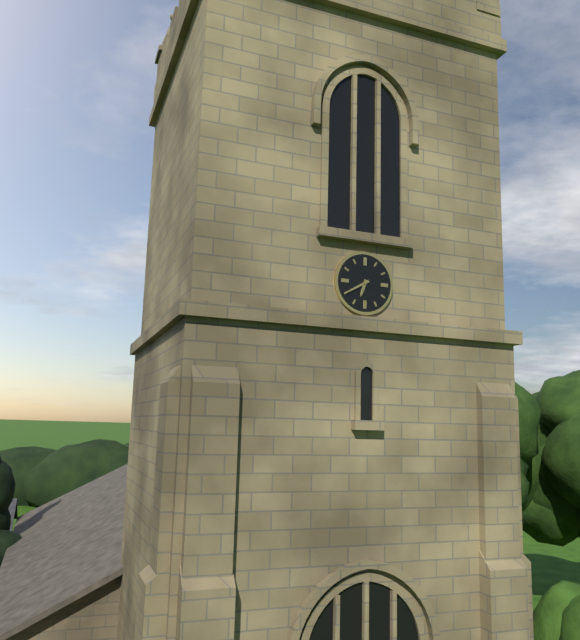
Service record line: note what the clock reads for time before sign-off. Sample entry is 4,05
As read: 6,40
